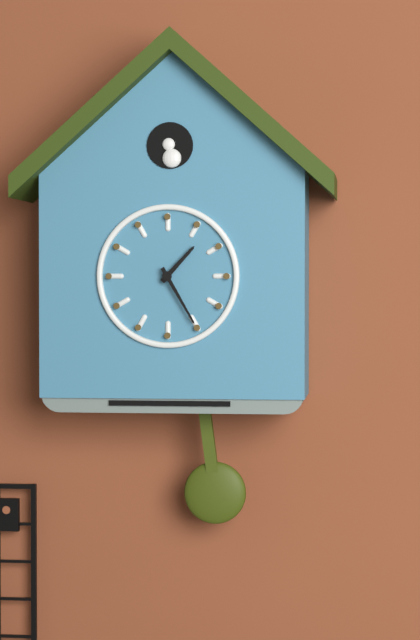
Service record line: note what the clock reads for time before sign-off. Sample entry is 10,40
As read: 1,25
